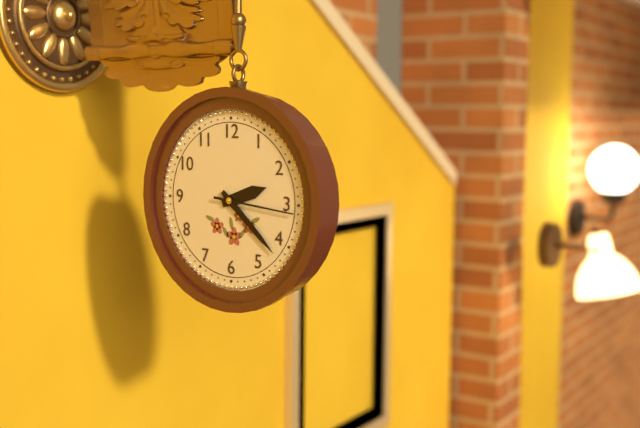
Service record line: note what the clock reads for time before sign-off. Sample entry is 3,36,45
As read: 2,22,16
